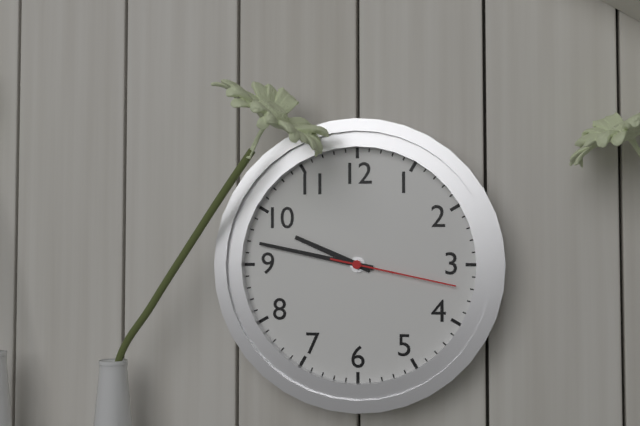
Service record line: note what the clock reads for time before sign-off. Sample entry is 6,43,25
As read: 9,47,17
